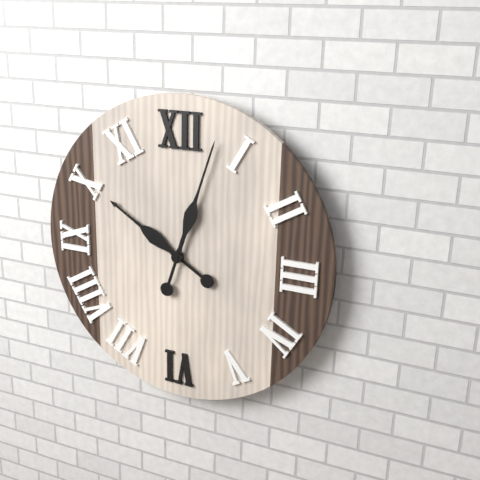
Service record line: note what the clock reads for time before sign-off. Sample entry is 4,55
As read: 10,03
